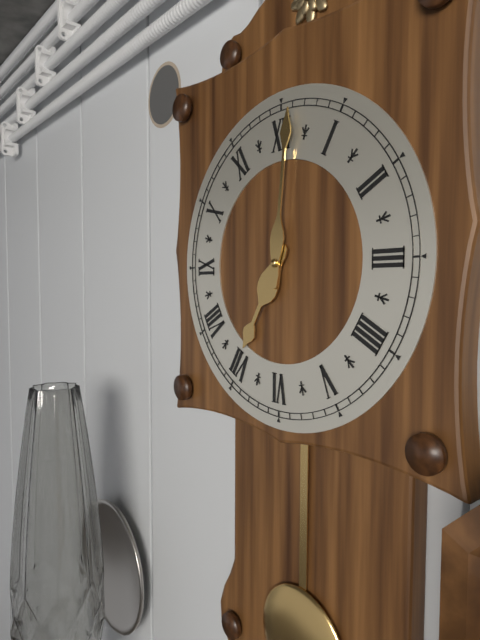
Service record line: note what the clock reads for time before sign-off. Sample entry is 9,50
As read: 7,01
